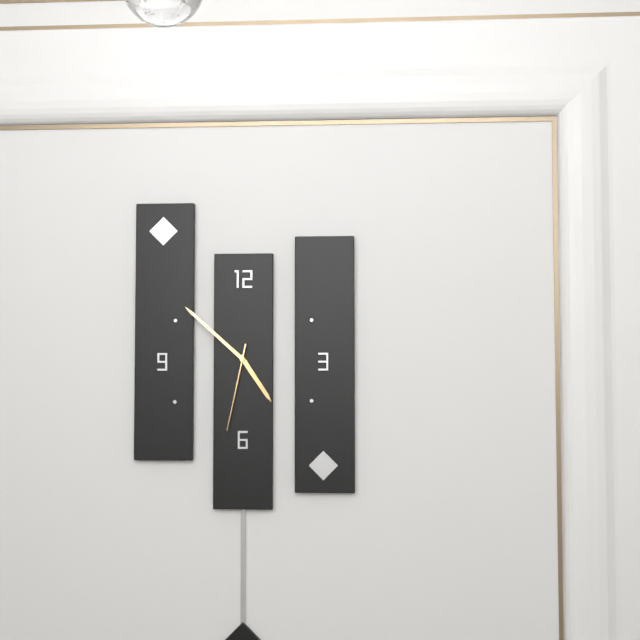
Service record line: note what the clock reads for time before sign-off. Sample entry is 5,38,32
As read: 4,52,32
